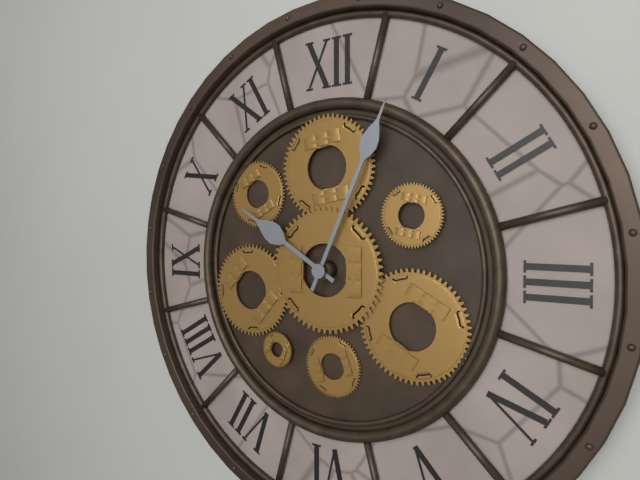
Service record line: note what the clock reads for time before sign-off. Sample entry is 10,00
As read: 10,04
